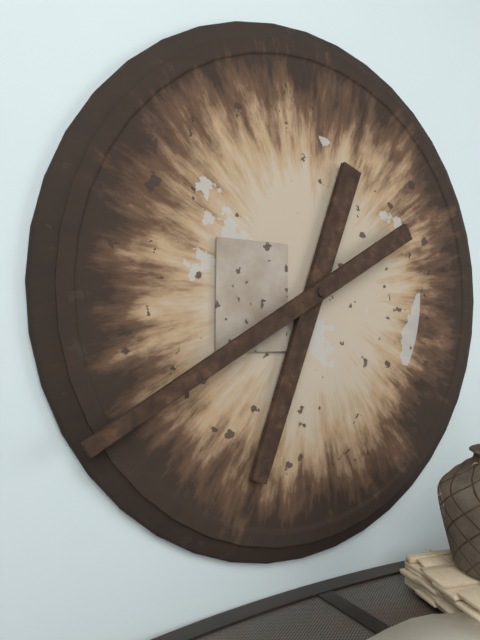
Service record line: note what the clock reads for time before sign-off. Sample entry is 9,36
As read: 6,40
